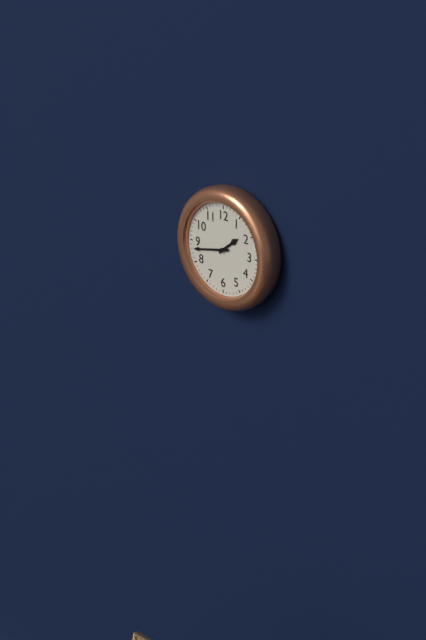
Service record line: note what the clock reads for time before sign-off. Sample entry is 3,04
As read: 1,43
